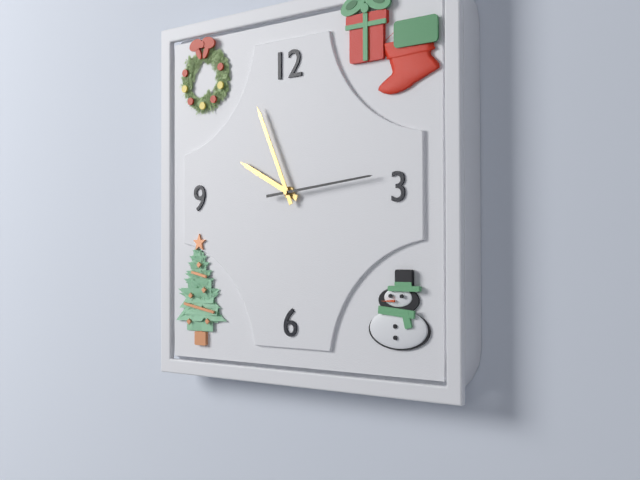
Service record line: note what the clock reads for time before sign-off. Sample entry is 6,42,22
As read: 9,56,14
